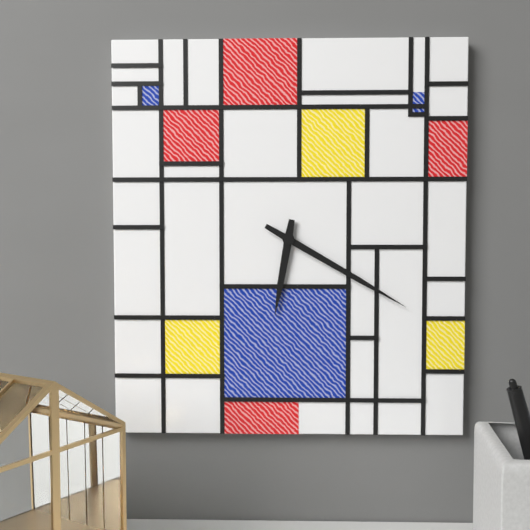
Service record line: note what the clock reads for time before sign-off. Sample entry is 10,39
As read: 6,20
